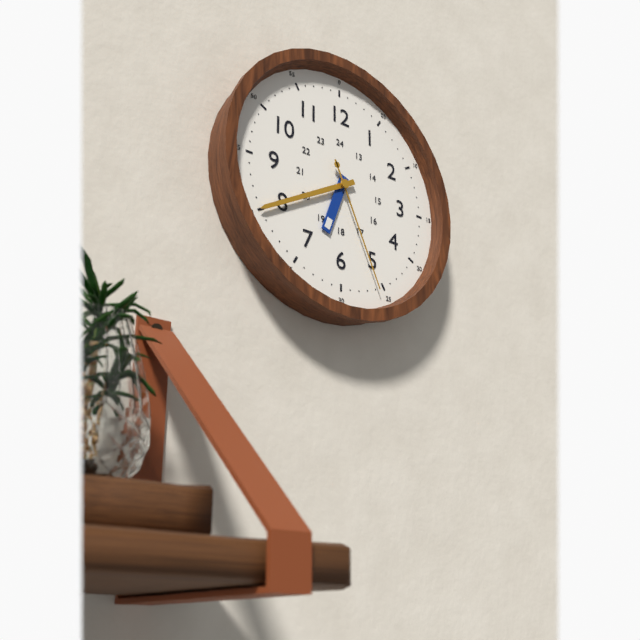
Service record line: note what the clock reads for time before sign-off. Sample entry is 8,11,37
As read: 6,40,26
